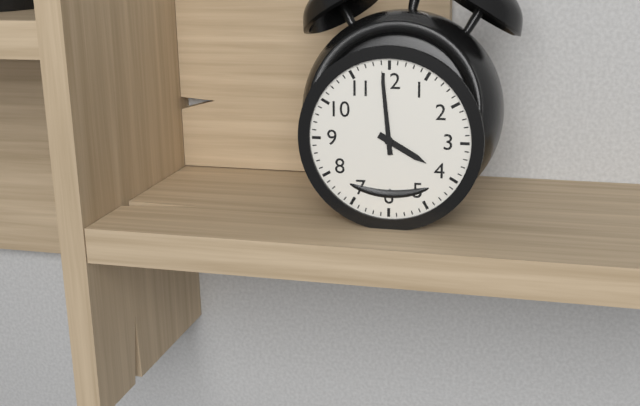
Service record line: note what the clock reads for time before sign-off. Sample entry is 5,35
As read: 3,59
